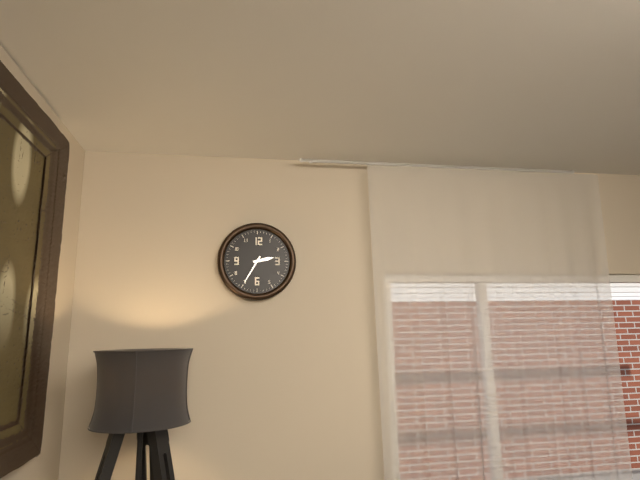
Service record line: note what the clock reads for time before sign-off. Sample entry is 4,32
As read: 2,35
